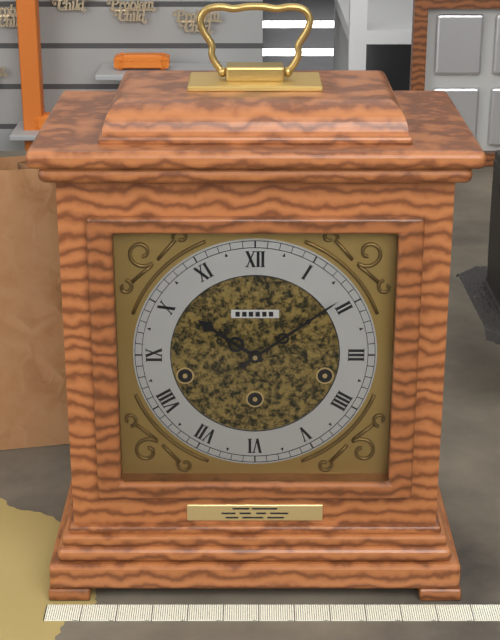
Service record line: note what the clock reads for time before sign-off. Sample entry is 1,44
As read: 10,09
